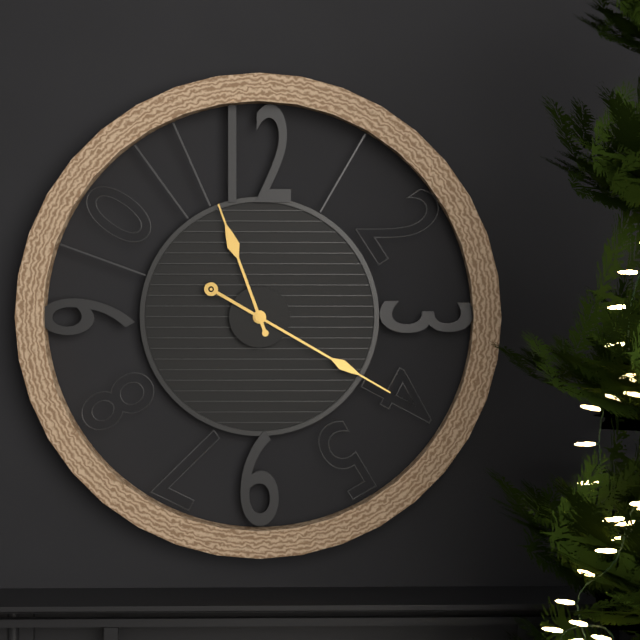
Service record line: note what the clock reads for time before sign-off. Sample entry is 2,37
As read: 11,20
